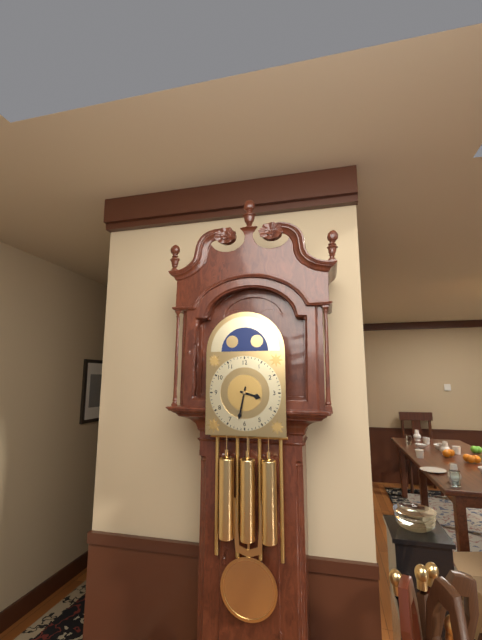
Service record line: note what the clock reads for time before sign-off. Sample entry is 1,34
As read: 3,32
